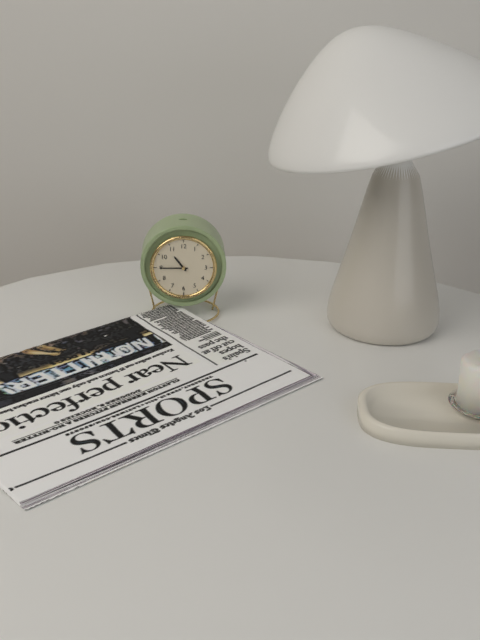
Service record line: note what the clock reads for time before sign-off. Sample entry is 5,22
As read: 10,45
